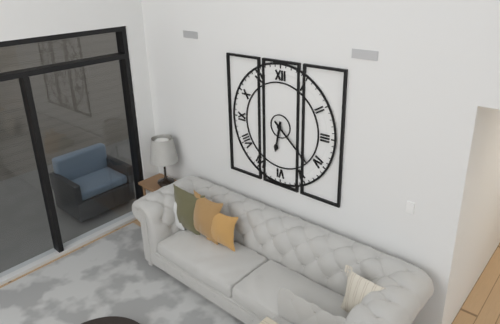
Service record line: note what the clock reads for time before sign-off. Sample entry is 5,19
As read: 6,22
